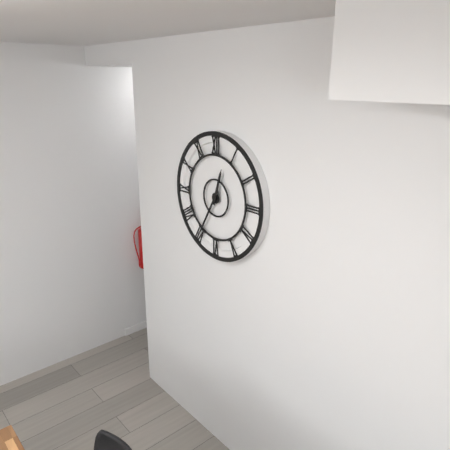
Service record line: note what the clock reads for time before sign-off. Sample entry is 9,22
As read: 12,35
